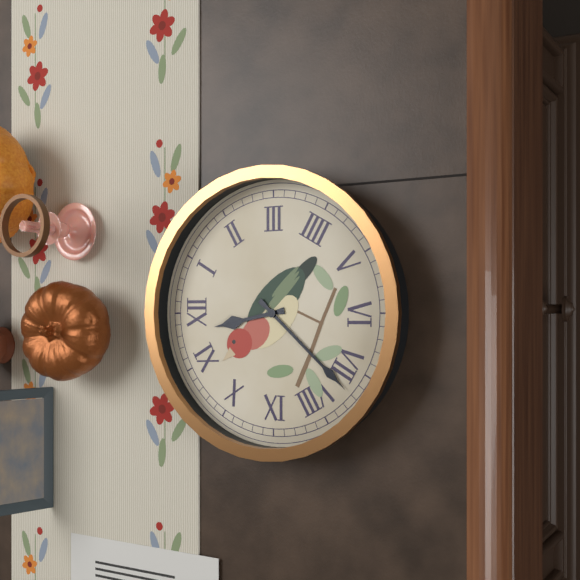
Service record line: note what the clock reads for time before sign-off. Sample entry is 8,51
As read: 11,37
